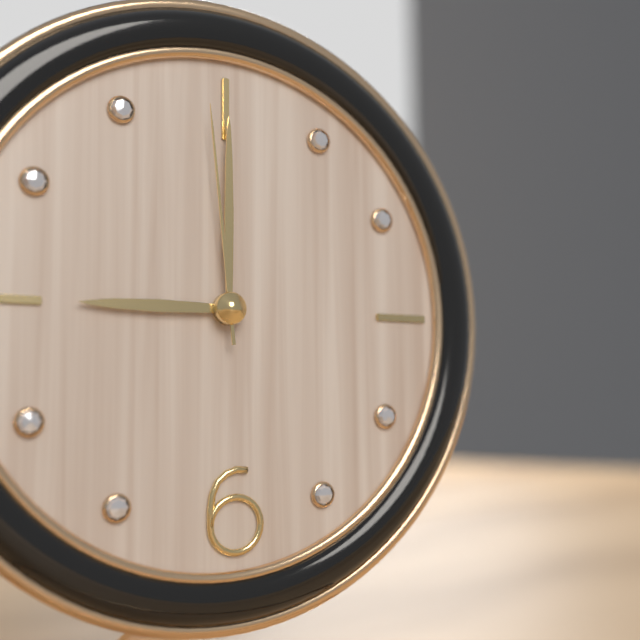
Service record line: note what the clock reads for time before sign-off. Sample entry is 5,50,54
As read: 9,00,59
